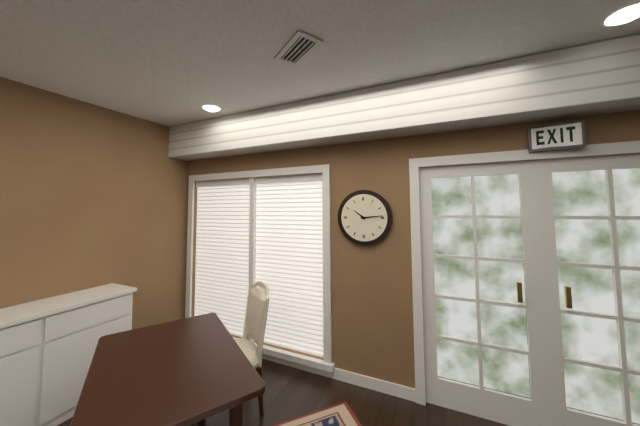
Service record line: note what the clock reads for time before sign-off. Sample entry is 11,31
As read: 10,14
